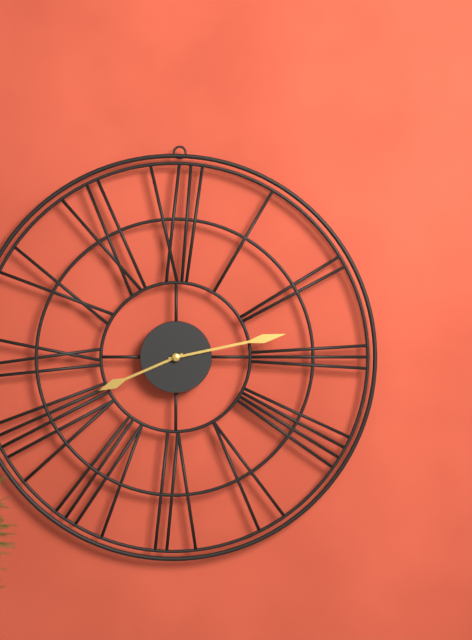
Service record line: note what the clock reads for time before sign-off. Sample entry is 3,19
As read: 8,13
